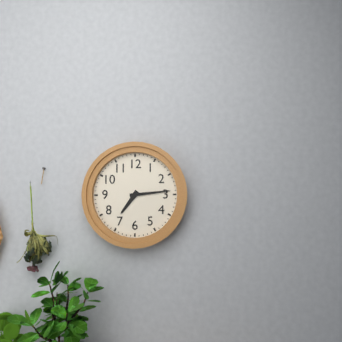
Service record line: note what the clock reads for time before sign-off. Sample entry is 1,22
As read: 7,14
